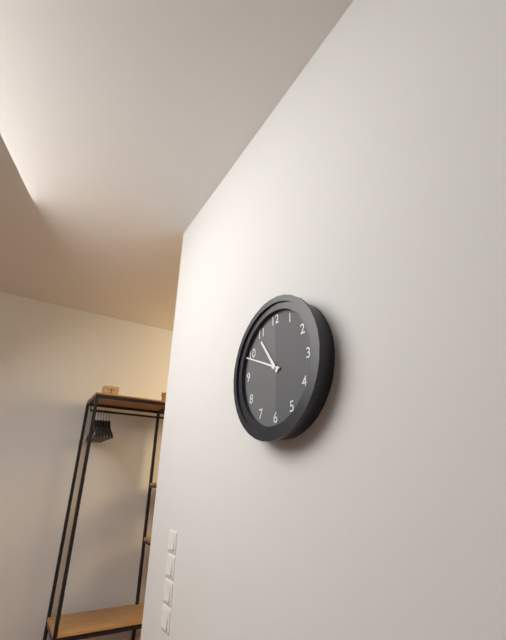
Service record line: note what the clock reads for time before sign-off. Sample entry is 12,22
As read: 10,49
